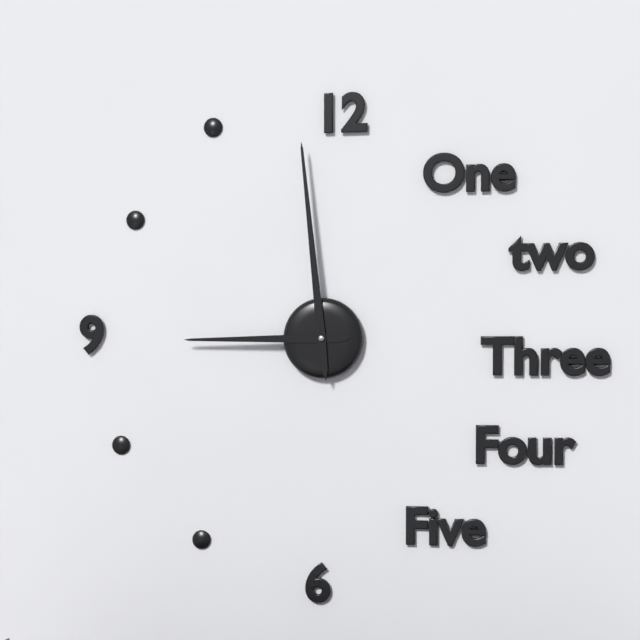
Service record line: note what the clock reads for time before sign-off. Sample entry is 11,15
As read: 8,59
